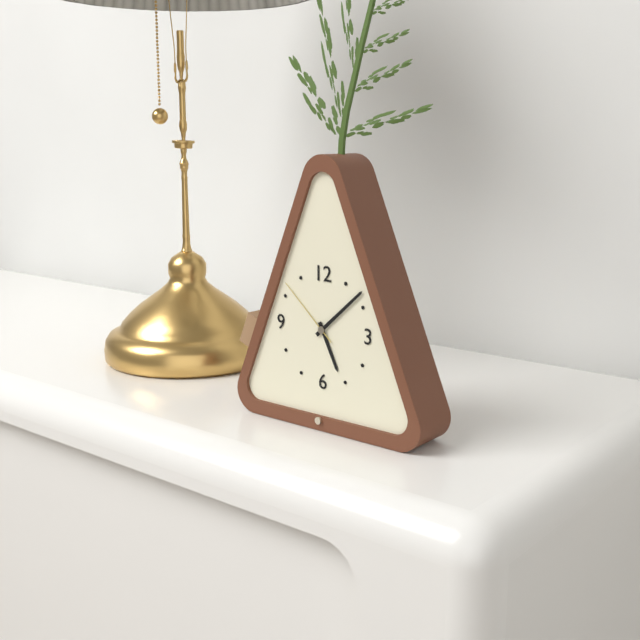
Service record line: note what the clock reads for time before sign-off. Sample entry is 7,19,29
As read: 5,08,52
